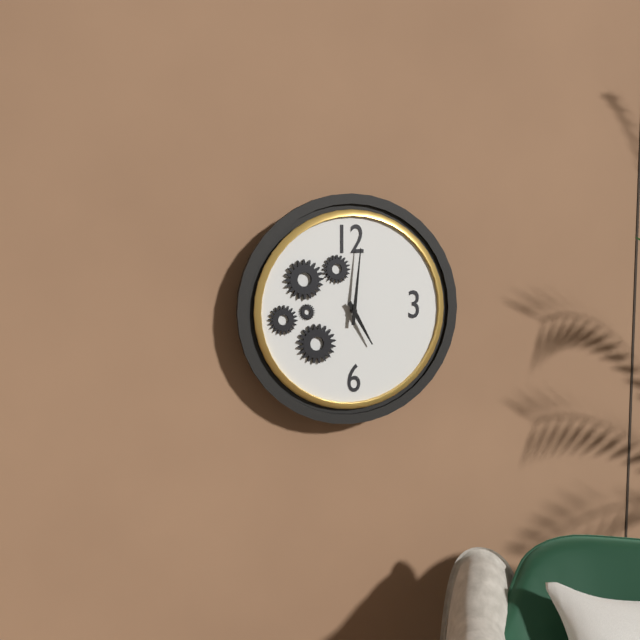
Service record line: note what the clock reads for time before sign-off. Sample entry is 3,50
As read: 5,01
